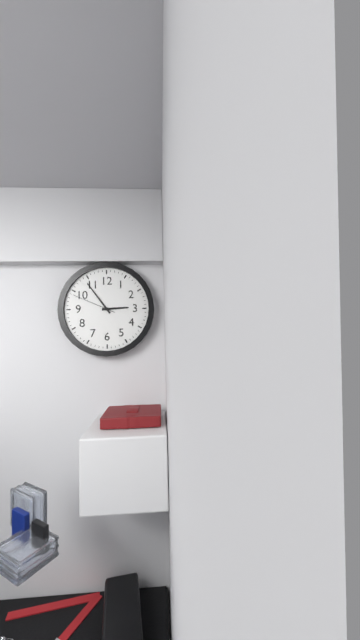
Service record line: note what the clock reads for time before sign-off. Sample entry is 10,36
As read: 2,54
